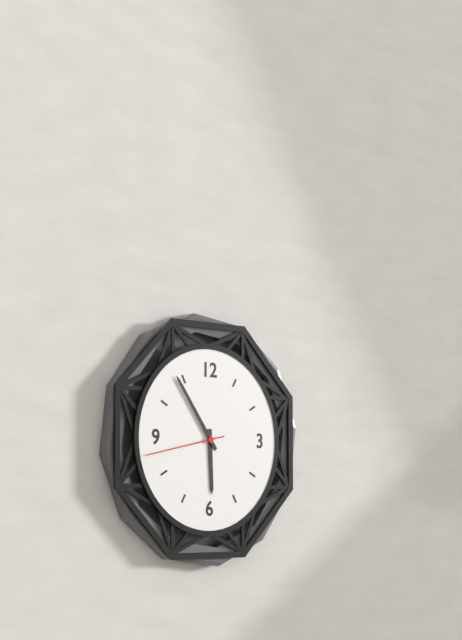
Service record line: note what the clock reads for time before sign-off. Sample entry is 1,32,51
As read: 5,54,43
